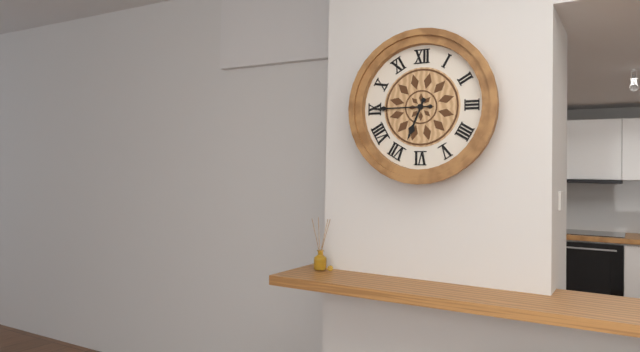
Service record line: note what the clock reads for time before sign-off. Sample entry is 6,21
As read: 6,45
